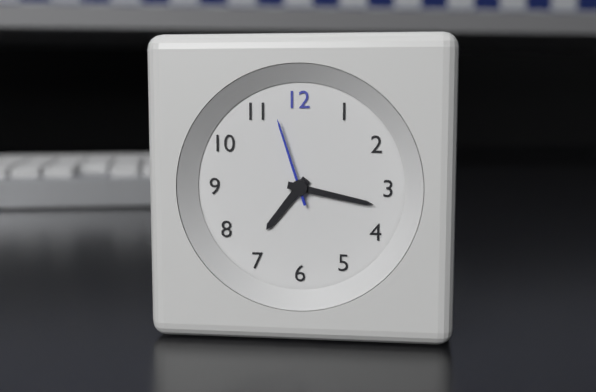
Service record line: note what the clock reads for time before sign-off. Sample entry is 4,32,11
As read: 7,17,57
